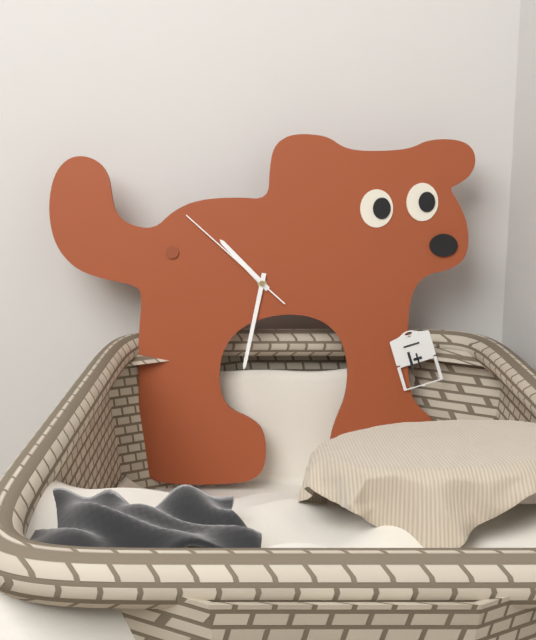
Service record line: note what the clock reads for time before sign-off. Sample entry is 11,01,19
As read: 10,32,52
